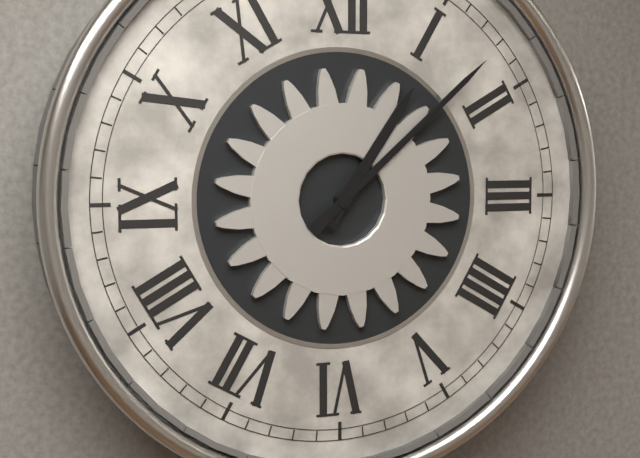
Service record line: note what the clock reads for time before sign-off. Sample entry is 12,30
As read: 1,08
